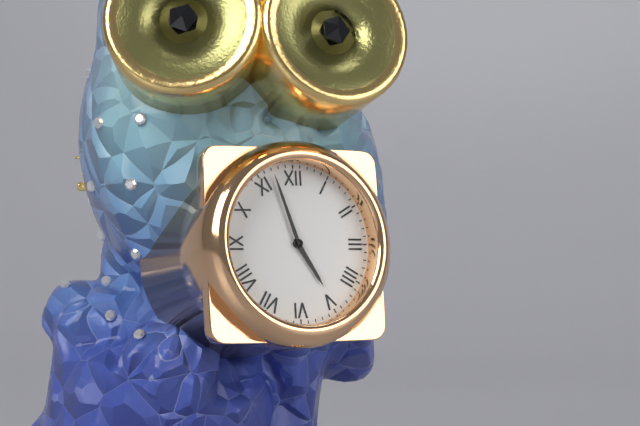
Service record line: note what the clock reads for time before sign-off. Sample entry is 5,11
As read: 4,57
